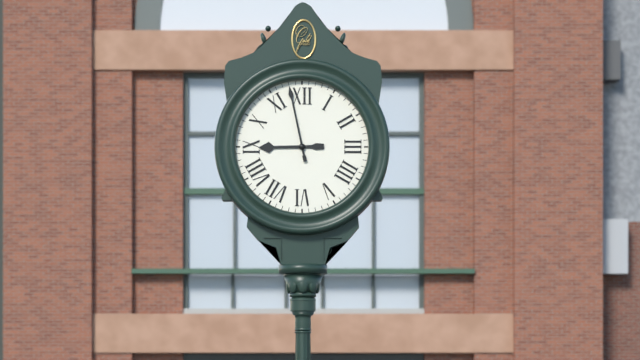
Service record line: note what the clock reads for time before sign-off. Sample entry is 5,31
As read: 8,58
